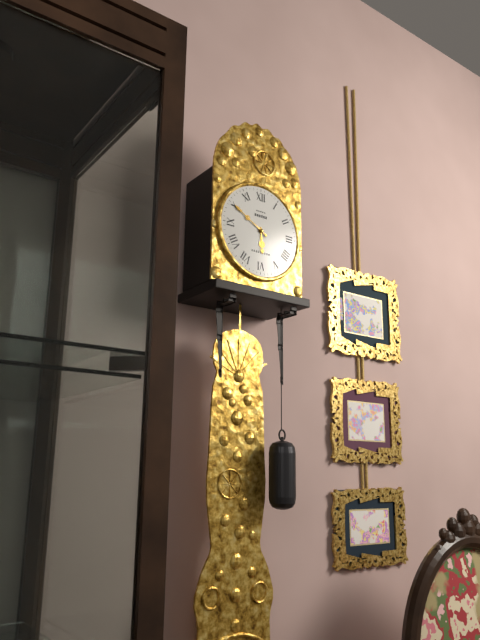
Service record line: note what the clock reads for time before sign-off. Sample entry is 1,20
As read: 5,50
